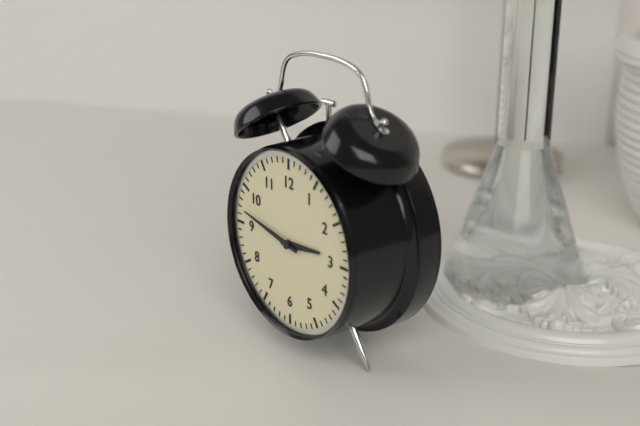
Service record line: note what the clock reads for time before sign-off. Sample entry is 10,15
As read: 2,47
